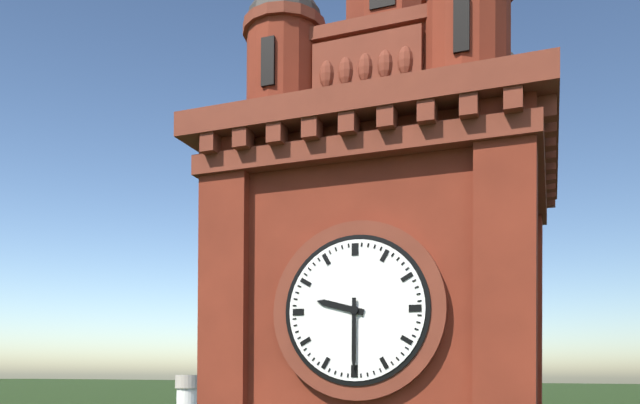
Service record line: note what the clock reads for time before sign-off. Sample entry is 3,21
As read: 9,30
